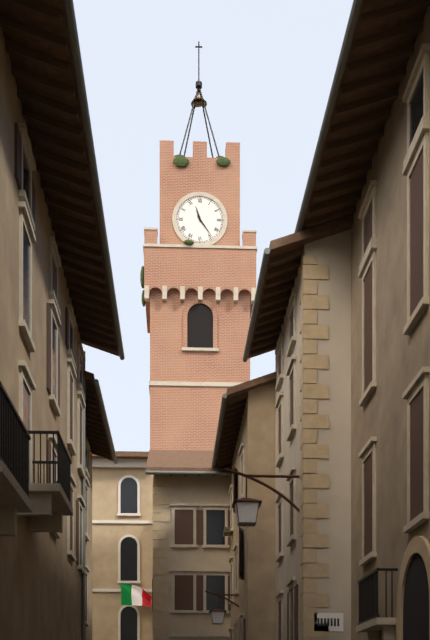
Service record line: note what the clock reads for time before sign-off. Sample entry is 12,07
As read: 11,24
